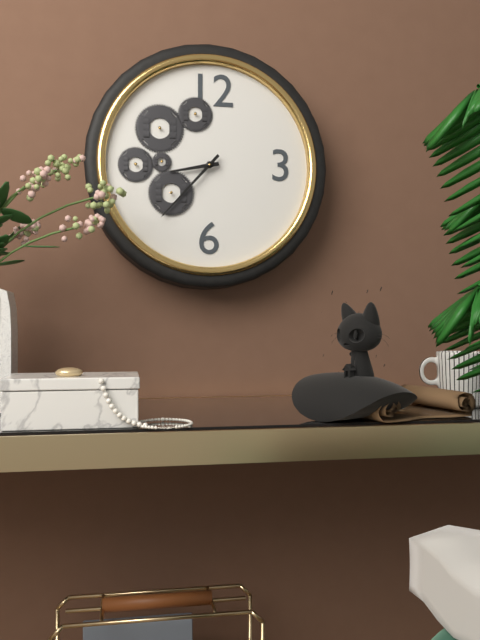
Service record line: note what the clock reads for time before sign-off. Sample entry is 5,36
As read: 8,37
